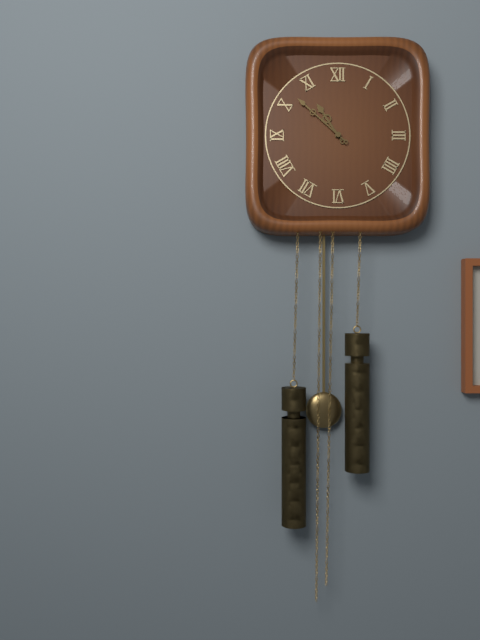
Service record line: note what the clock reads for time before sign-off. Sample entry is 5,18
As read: 10,52
